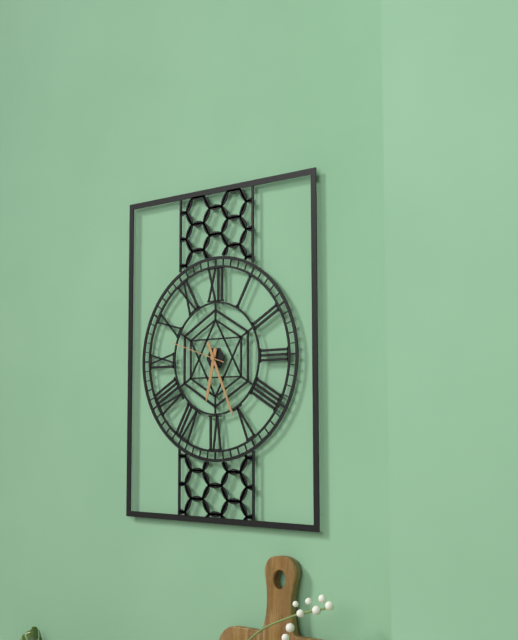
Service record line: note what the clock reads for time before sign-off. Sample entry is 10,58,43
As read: 6,26,48
